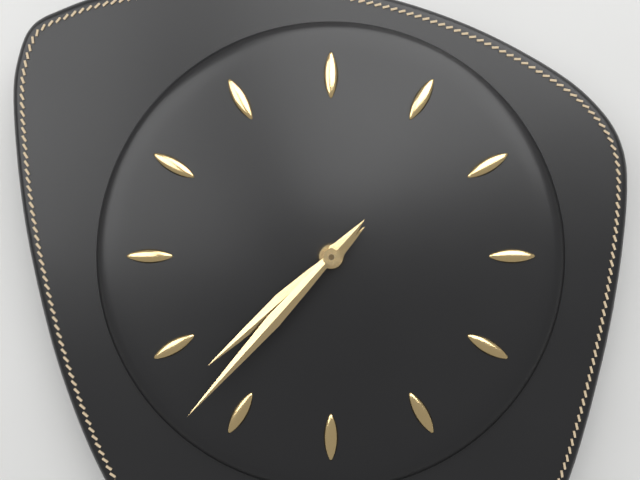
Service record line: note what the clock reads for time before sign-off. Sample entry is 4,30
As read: 7,37
